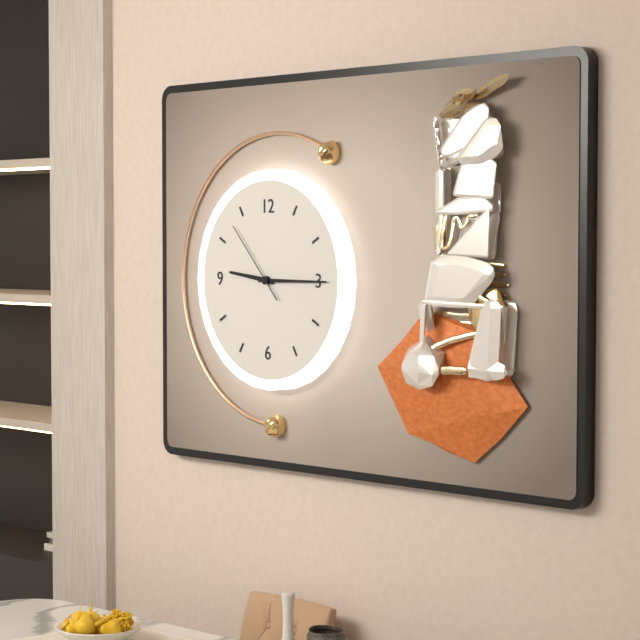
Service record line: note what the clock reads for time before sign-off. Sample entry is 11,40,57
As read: 9,15,53
